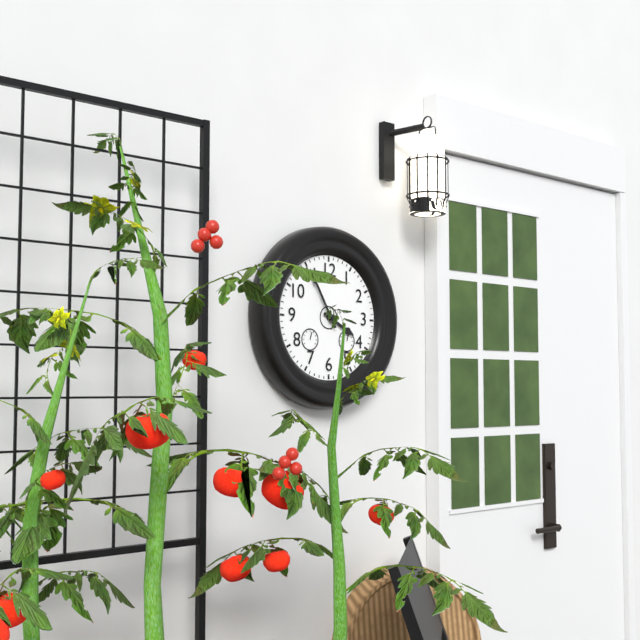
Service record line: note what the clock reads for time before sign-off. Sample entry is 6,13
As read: 3,55
